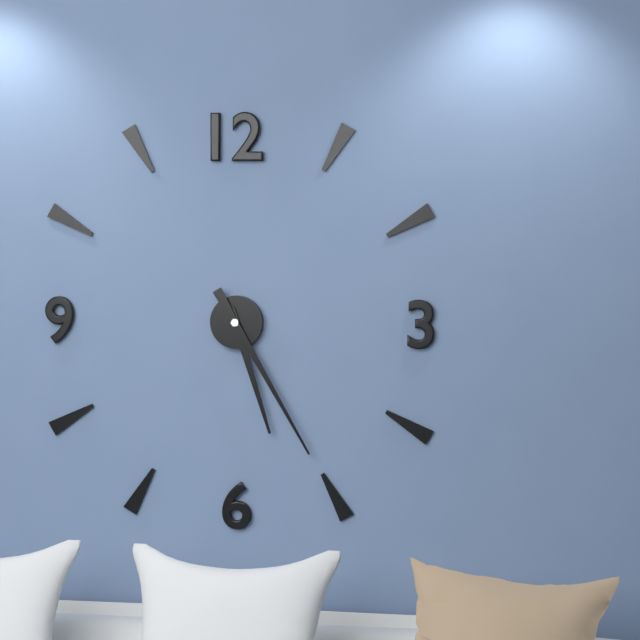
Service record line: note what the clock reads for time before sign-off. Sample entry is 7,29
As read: 5,25
